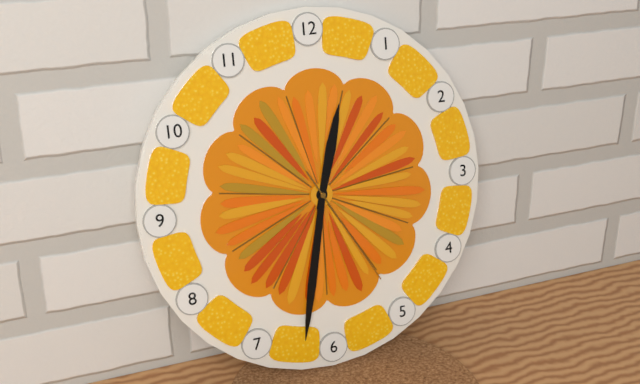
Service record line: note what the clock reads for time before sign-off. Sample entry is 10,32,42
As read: 12,32,25
